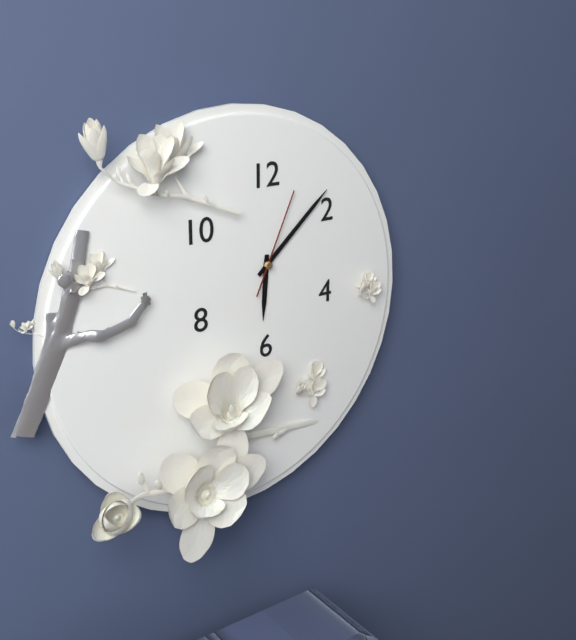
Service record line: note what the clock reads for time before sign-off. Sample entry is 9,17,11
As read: 6,08,04
